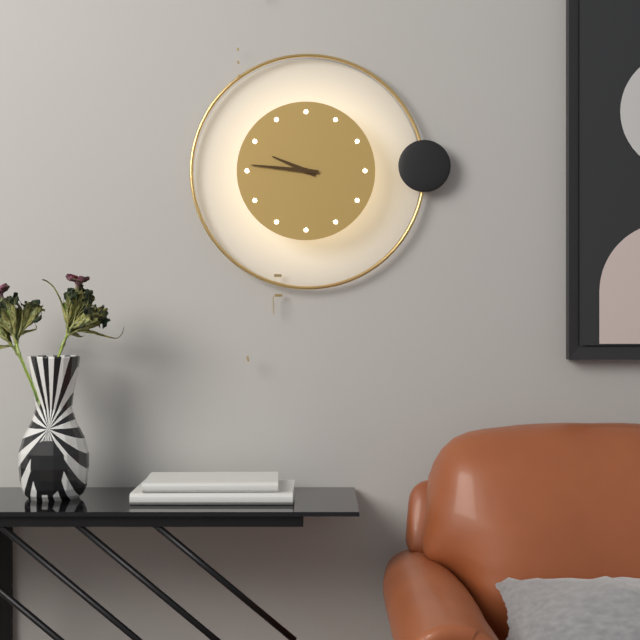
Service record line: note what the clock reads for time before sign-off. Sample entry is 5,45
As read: 9,46
